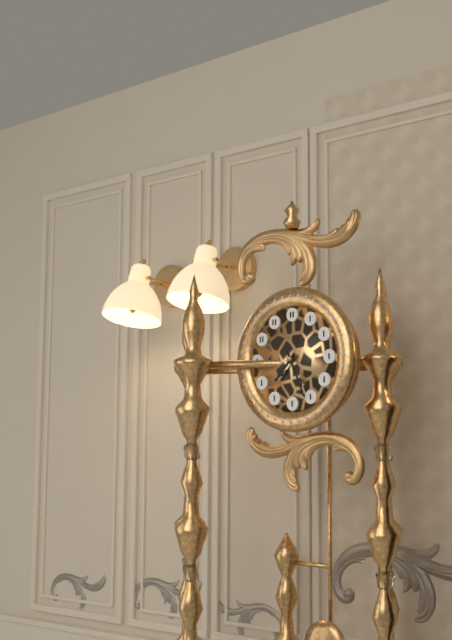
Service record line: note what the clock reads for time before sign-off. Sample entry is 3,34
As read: 7,26
